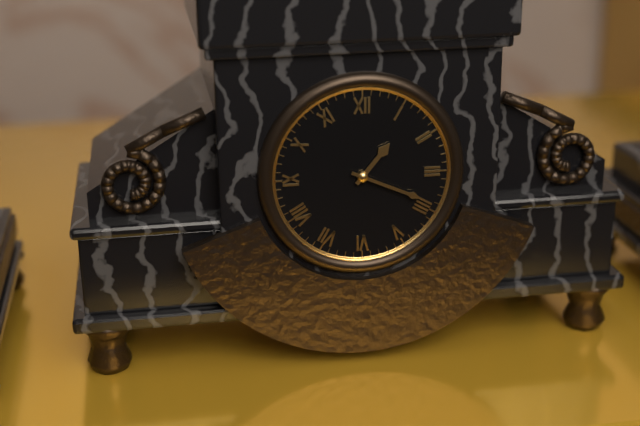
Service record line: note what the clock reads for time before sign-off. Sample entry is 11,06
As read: 1,19
